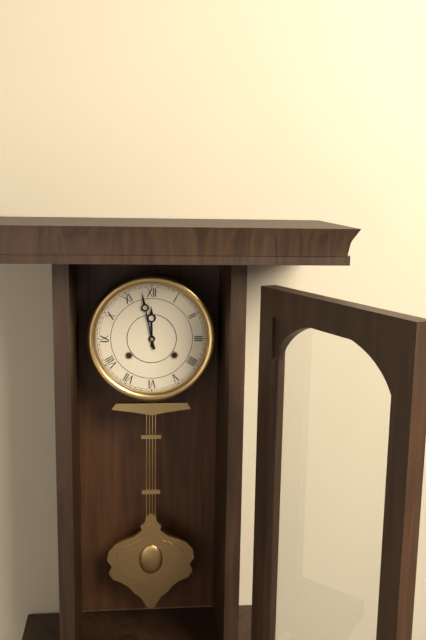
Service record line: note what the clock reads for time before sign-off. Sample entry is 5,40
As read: 11,58
